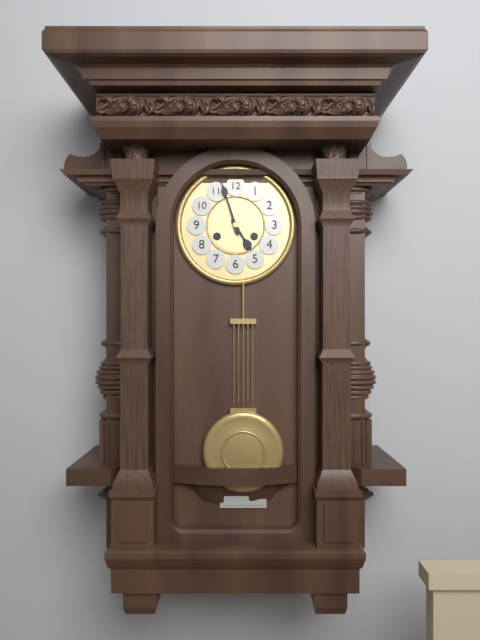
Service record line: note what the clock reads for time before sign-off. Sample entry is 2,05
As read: 4,57
